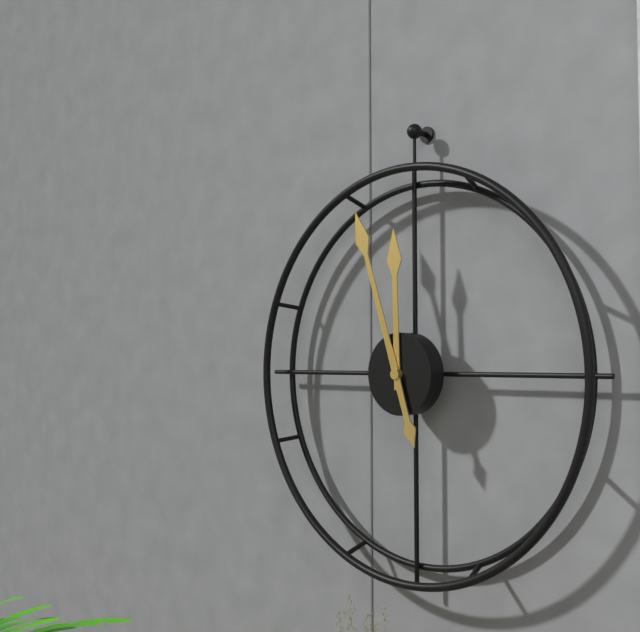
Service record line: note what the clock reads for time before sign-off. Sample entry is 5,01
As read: 11,57
